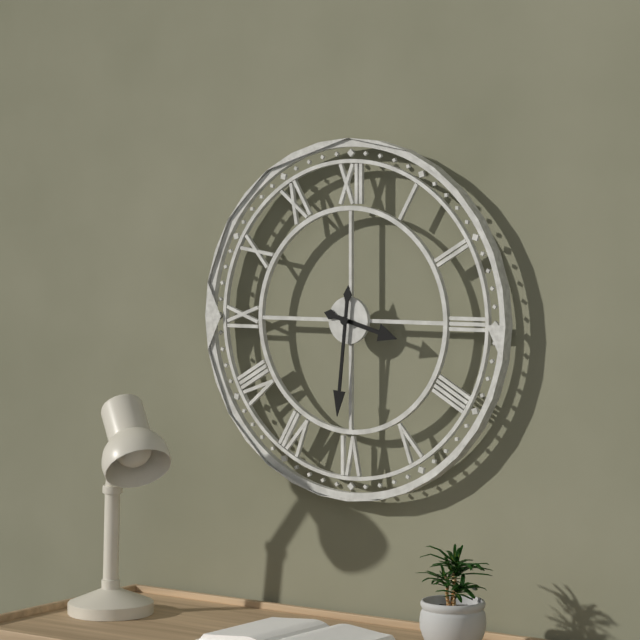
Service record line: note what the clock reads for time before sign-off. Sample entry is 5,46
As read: 3,31
